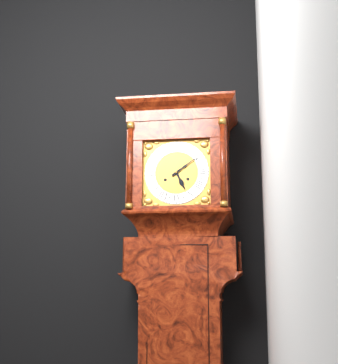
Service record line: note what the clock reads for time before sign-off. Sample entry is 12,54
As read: 5,09
